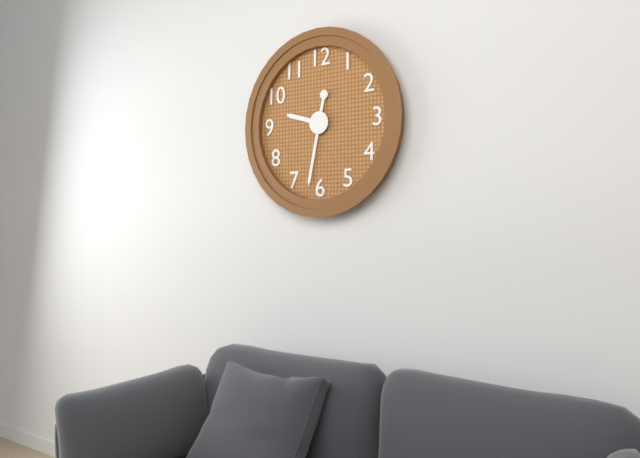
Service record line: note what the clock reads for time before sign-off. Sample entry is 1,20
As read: 9,32
